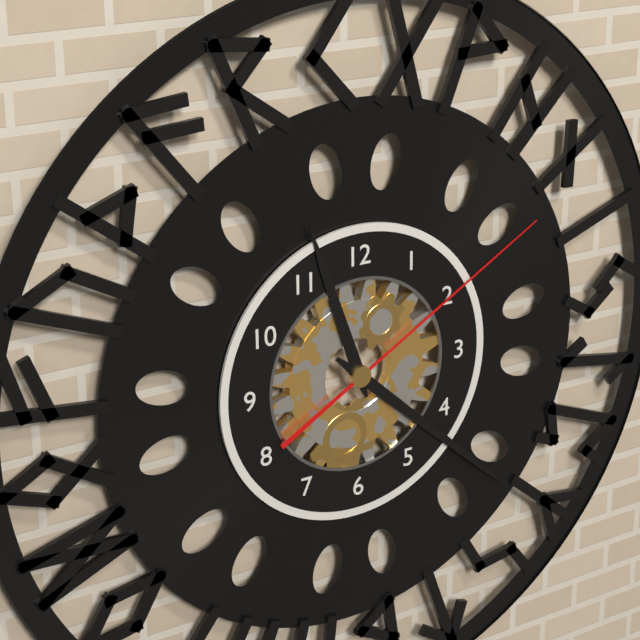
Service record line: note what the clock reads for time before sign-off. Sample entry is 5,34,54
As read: 11,22,10
